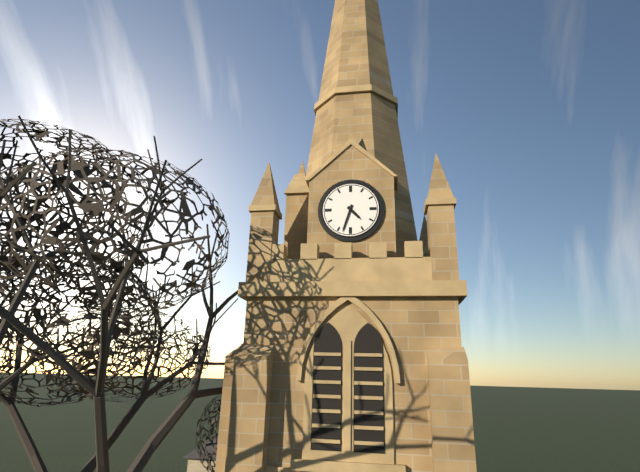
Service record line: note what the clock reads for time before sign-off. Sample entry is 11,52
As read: 4,33
